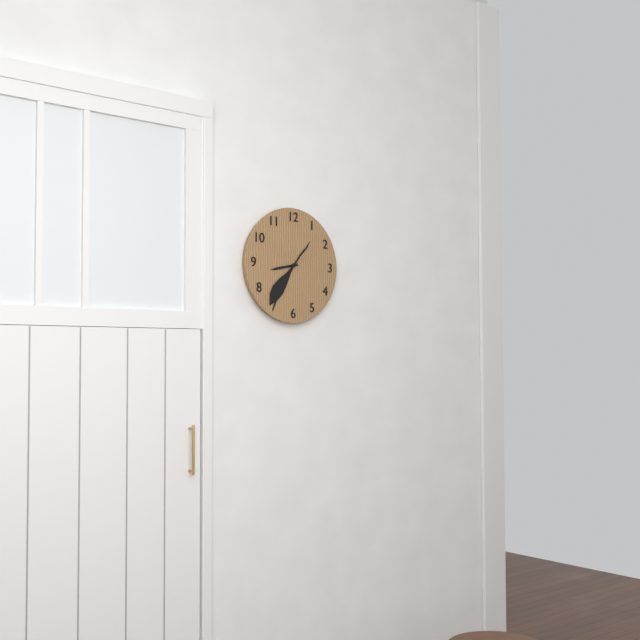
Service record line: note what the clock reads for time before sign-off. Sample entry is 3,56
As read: 8,36
